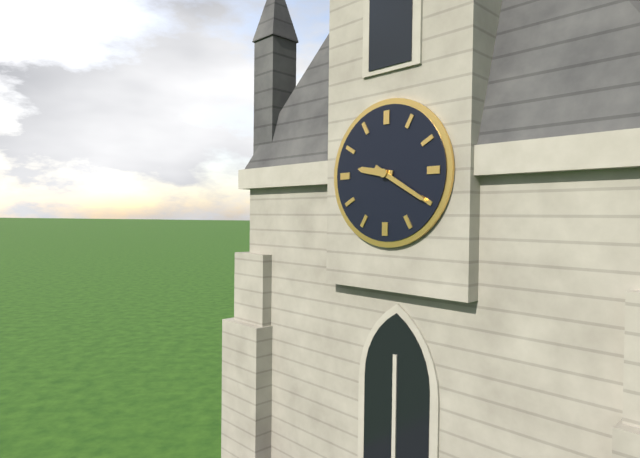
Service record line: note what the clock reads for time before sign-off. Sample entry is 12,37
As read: 9,20
